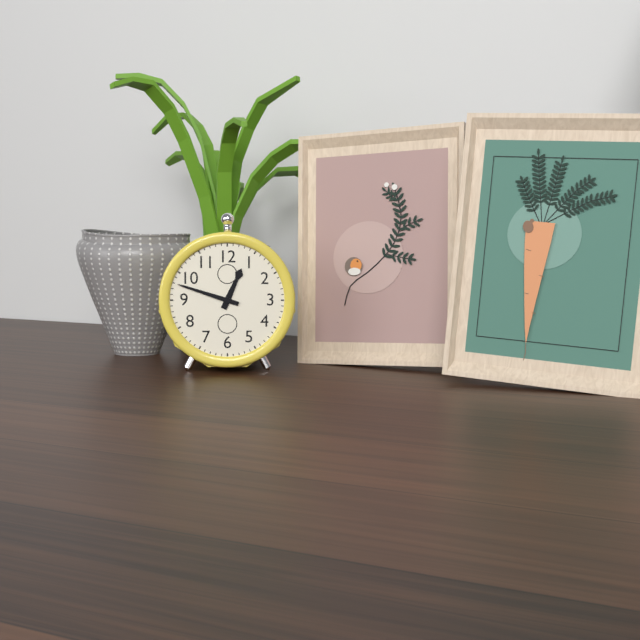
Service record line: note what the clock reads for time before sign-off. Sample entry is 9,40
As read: 12,48
